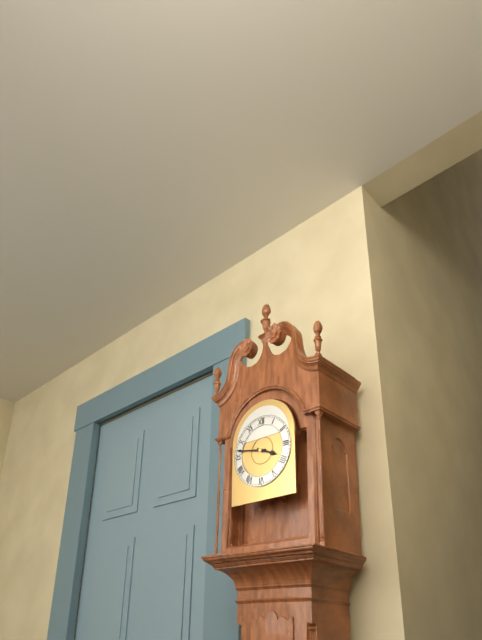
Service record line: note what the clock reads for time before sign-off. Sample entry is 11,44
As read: 3,47
